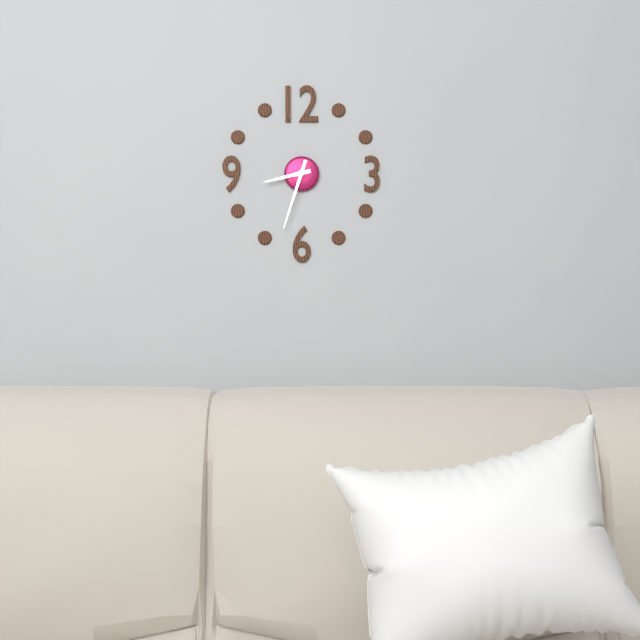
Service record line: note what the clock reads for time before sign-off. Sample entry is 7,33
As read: 8,33
